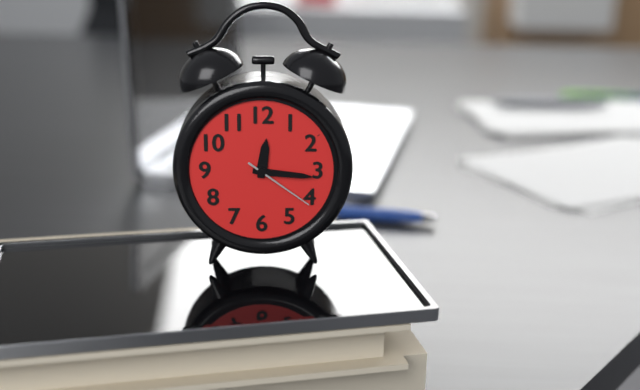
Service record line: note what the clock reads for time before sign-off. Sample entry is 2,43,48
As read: 12,16,21
